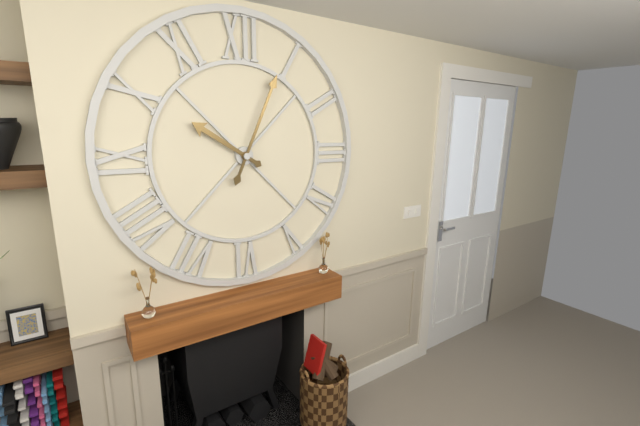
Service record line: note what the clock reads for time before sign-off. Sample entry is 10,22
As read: 10,04
